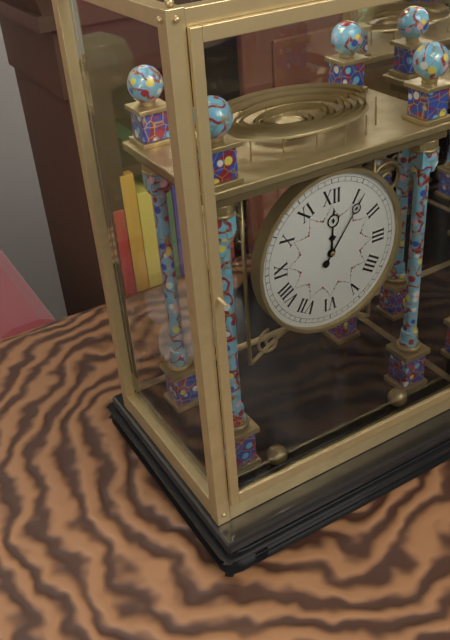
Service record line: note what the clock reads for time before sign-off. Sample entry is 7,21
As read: 12,06
